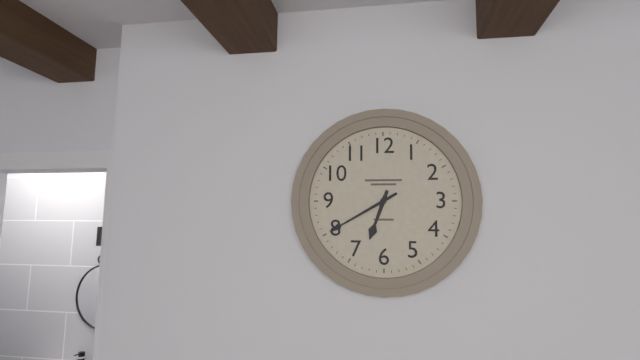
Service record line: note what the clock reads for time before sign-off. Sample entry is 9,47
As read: 6,40
